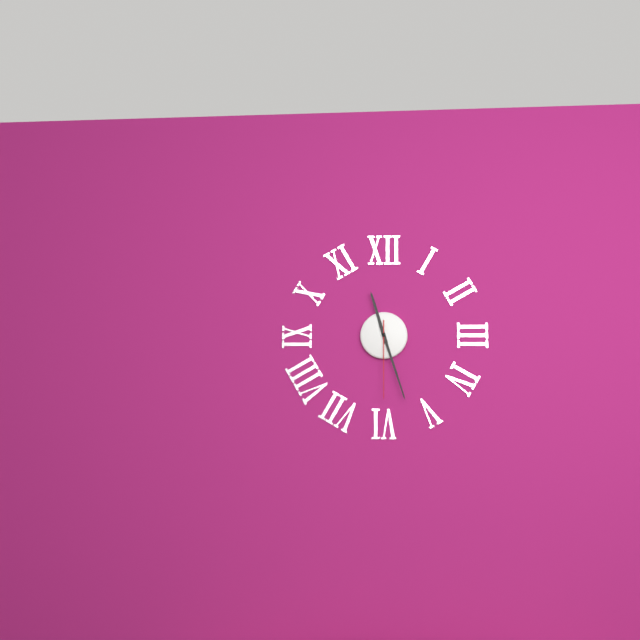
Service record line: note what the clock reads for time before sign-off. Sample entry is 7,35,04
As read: 11,27,30
